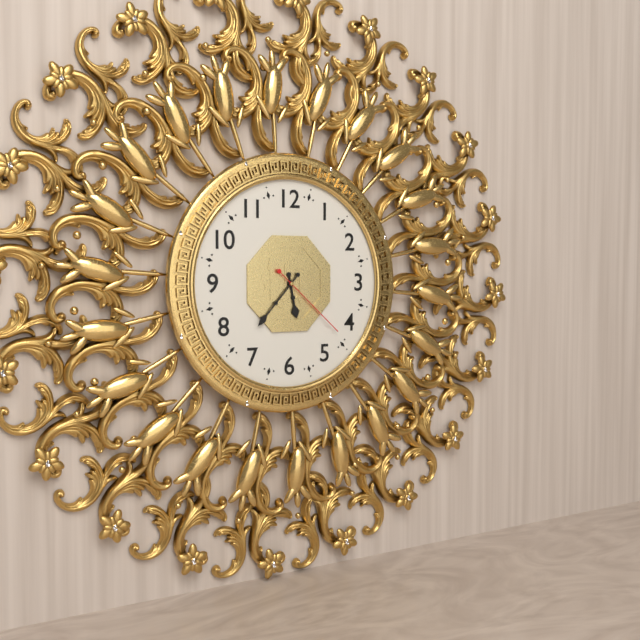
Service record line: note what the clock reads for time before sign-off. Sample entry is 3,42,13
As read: 5,37,22
